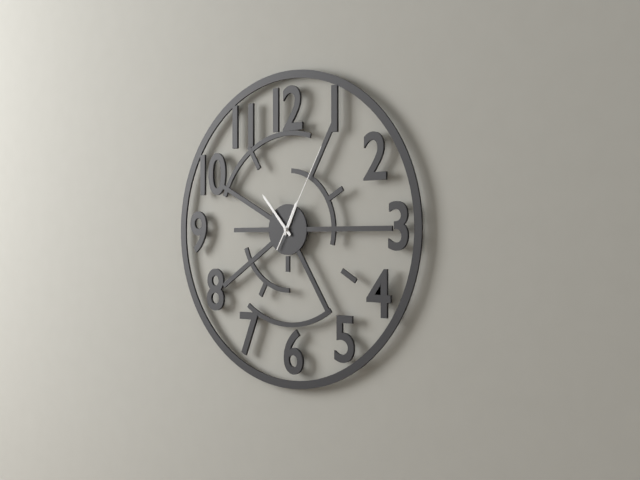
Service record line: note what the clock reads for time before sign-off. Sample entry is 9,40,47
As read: 12,53,05
